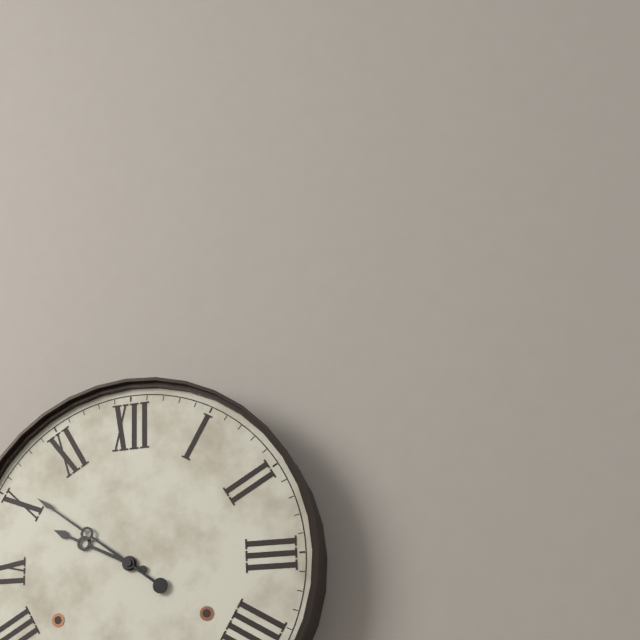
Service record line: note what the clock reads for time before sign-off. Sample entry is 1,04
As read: 9,51
